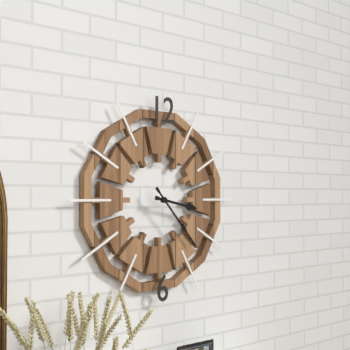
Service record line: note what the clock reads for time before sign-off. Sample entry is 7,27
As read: 3,23
